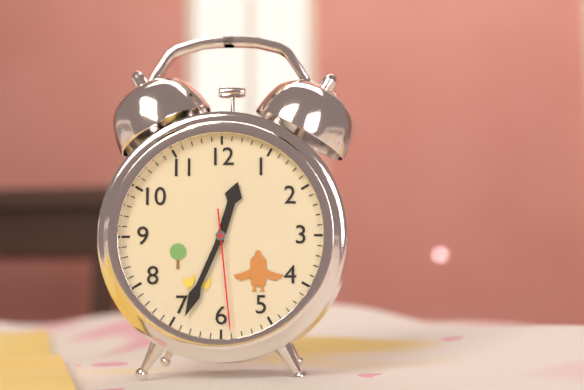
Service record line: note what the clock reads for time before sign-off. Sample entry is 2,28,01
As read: 12,34,29
